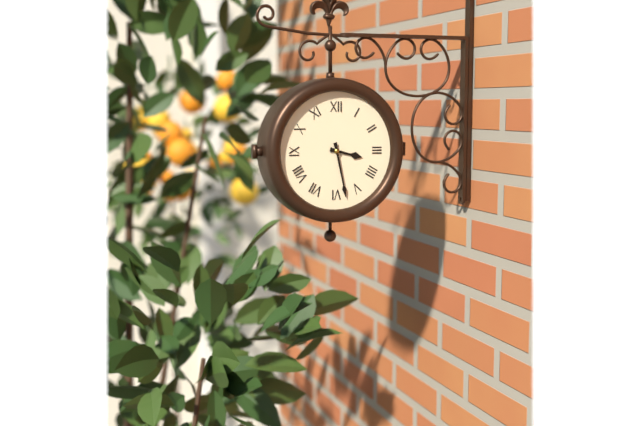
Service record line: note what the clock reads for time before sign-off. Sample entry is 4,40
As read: 3,28
